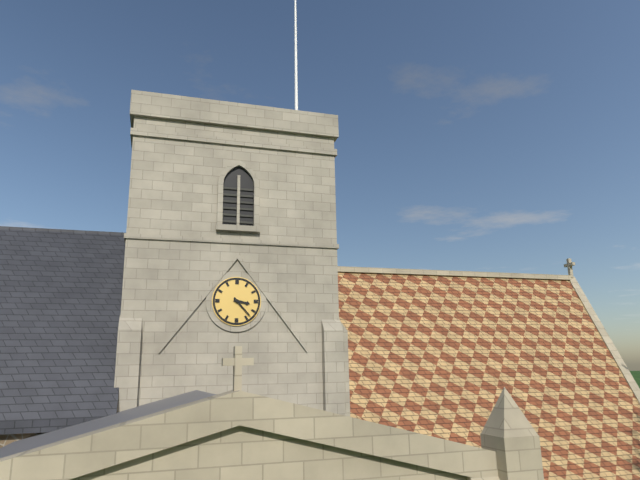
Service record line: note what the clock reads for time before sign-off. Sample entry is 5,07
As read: 3,23
